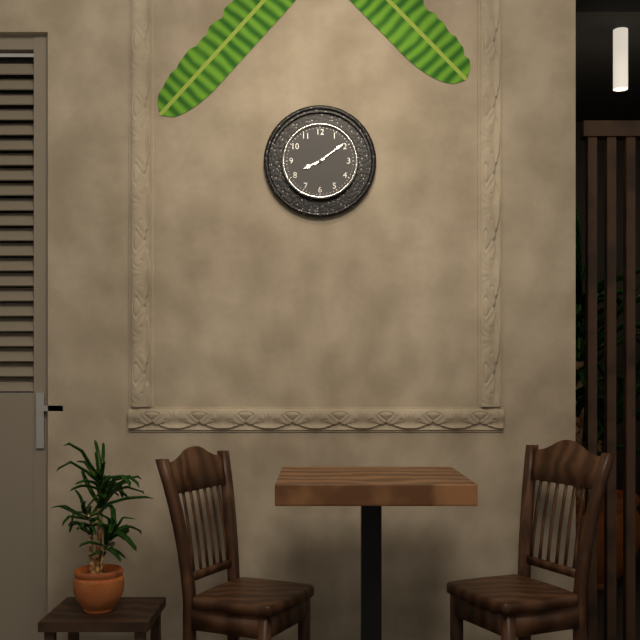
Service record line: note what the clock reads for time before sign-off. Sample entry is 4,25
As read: 8,09
